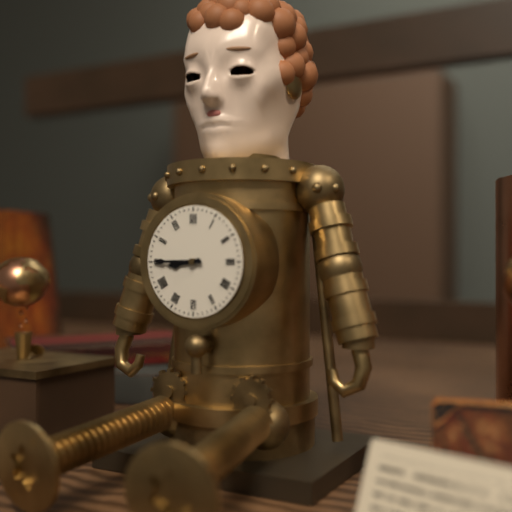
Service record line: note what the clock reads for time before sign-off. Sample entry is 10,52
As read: 8,45
